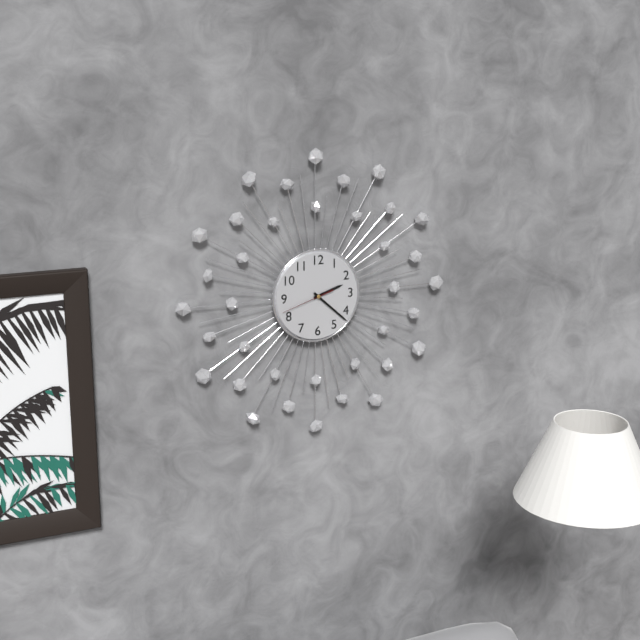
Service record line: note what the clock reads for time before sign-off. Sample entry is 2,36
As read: 2,22
